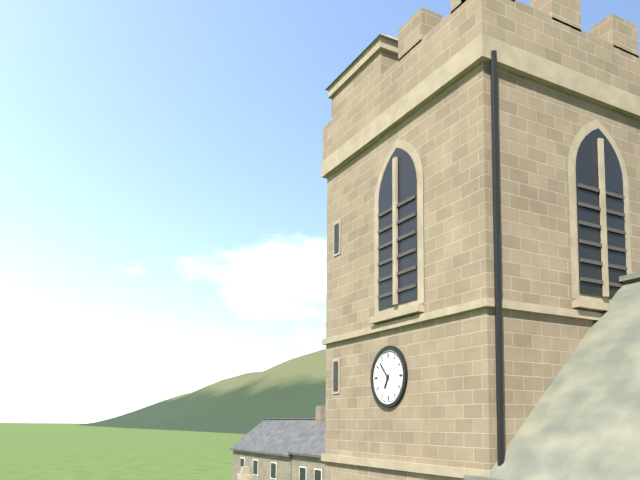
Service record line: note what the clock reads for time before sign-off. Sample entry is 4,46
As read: 6,53
